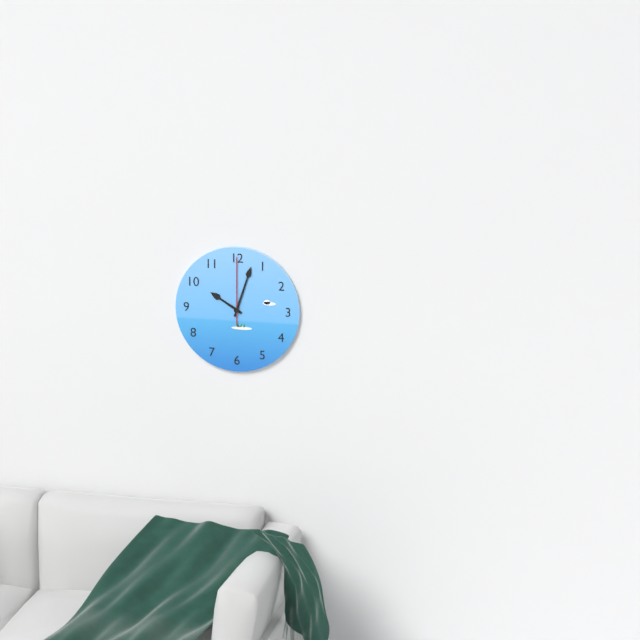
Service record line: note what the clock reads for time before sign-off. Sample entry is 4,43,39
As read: 10,03,00
